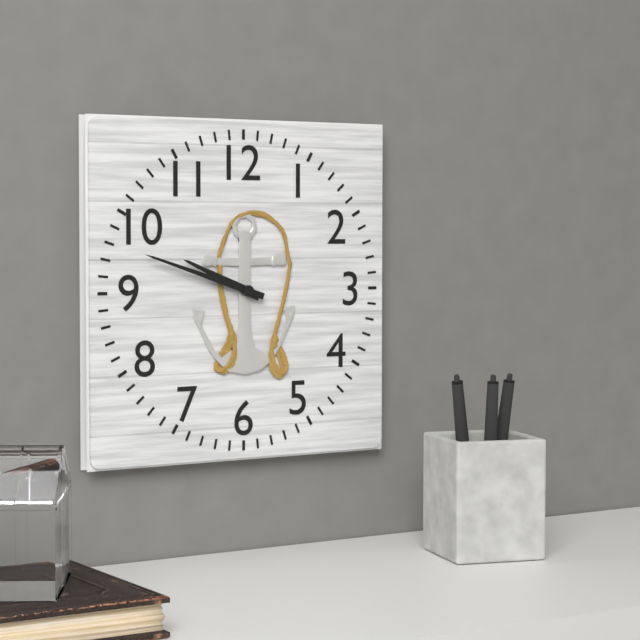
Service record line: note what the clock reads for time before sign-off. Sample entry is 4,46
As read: 9,48
